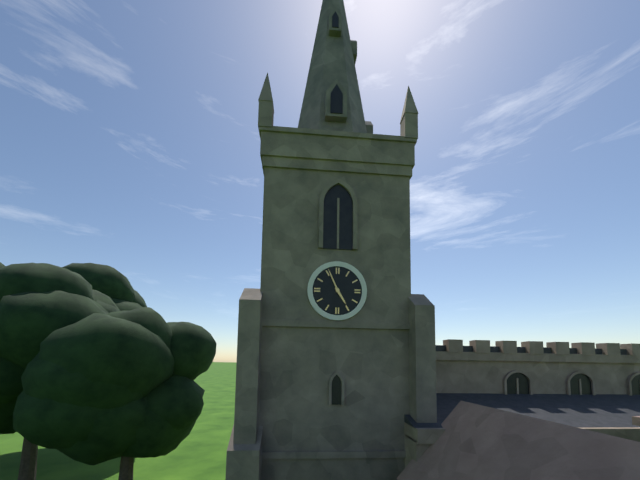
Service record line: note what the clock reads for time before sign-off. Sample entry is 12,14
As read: 4,56
